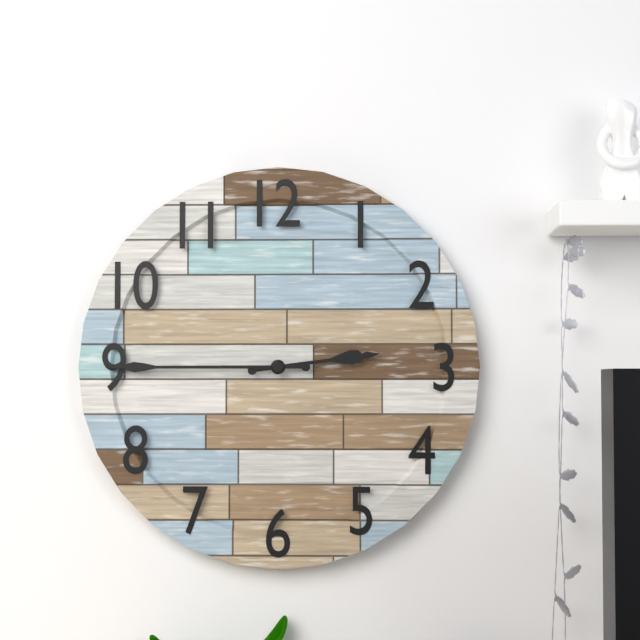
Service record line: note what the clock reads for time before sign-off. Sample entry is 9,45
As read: 2,45
